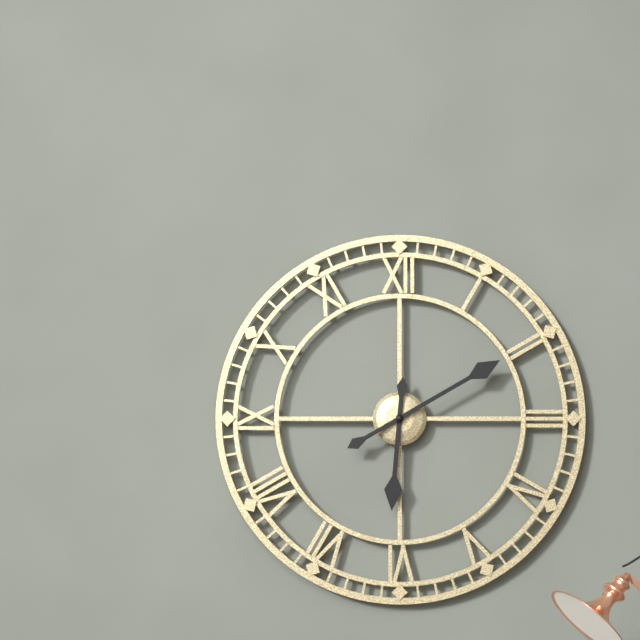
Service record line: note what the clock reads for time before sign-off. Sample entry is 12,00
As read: 6,10
